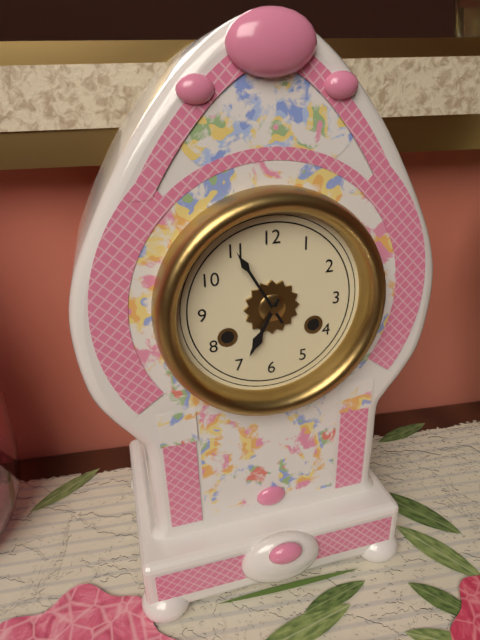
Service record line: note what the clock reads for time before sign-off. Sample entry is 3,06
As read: 6,55
